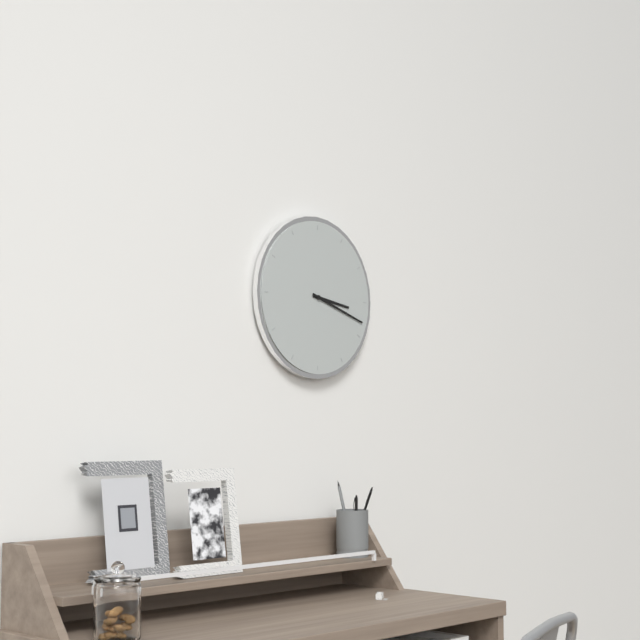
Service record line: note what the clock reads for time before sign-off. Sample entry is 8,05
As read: 3,18
